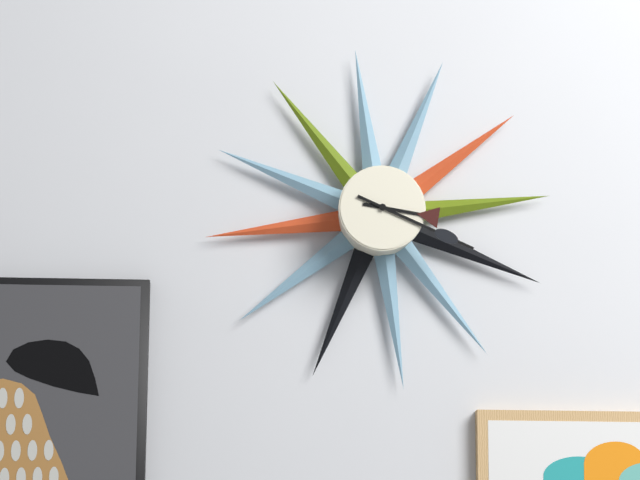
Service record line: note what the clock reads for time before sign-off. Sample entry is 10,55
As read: 3,19
